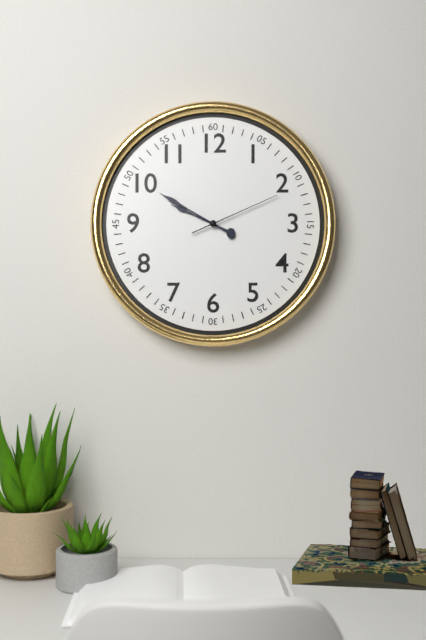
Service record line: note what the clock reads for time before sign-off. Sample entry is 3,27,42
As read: 9,50,11
